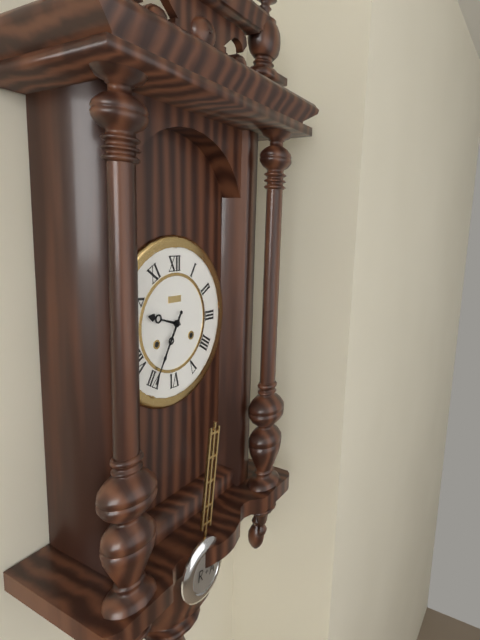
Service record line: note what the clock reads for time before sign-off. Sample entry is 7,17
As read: 9,35
